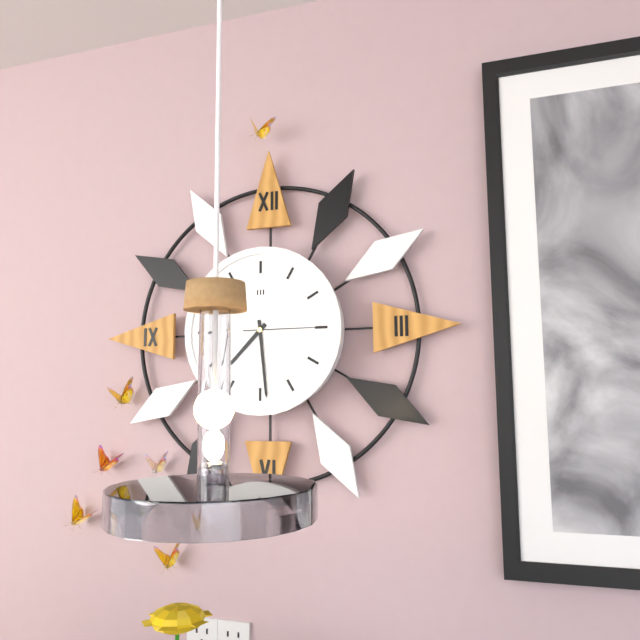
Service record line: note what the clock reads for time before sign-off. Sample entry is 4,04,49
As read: 7,29,15
